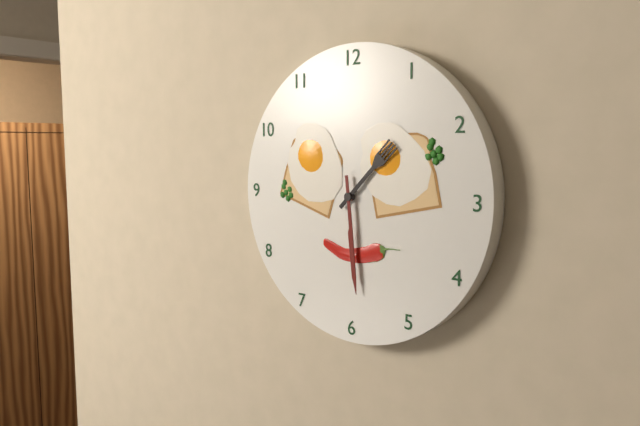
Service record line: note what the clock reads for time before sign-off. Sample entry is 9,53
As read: 1,29
